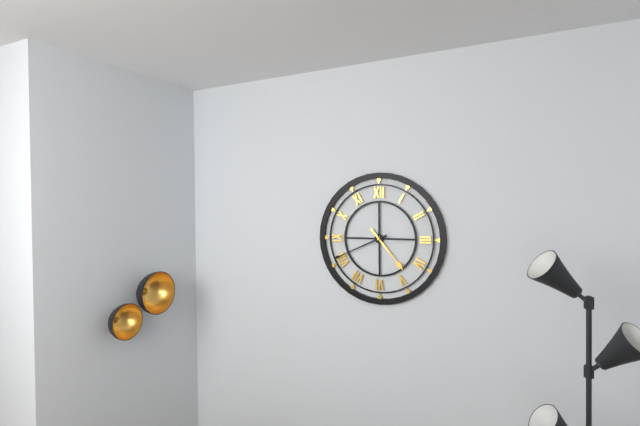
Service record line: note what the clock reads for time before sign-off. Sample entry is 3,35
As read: 4,41
